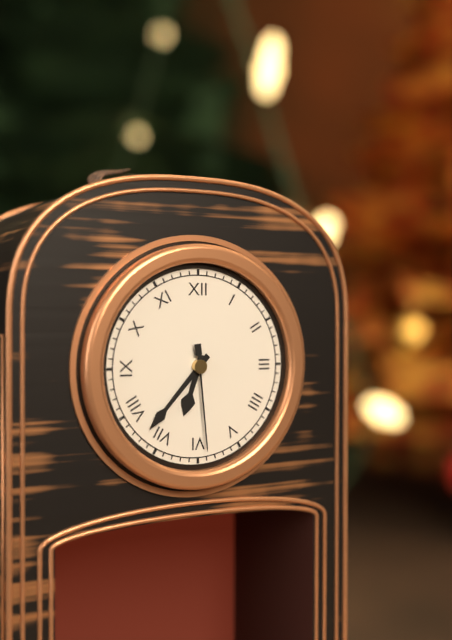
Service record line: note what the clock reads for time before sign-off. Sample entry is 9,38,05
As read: 6,37,29
